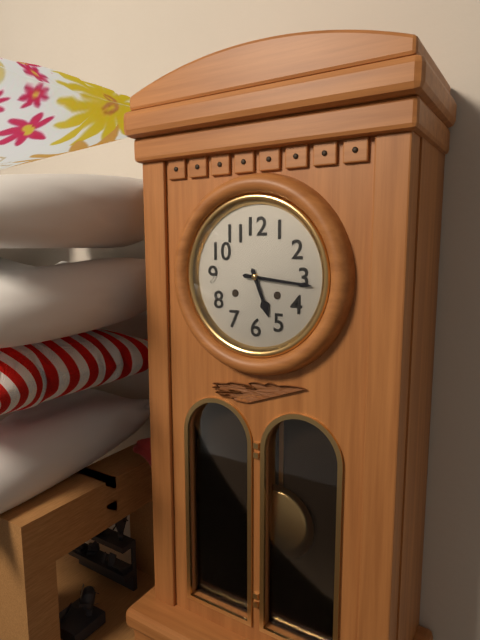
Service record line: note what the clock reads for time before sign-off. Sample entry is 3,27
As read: 5,16
